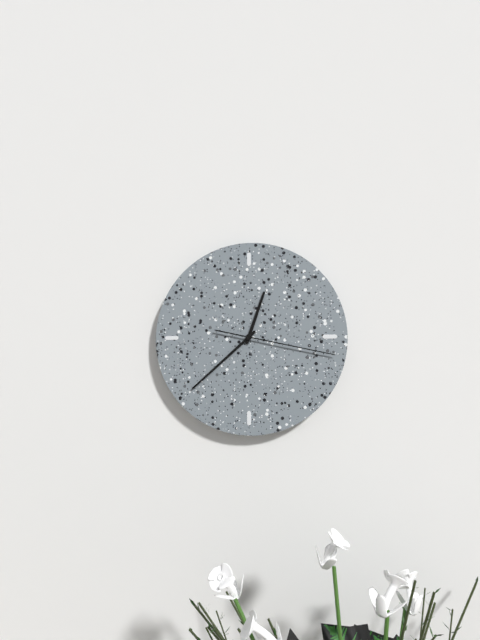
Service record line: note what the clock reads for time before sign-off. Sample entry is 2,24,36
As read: 12,38,17
